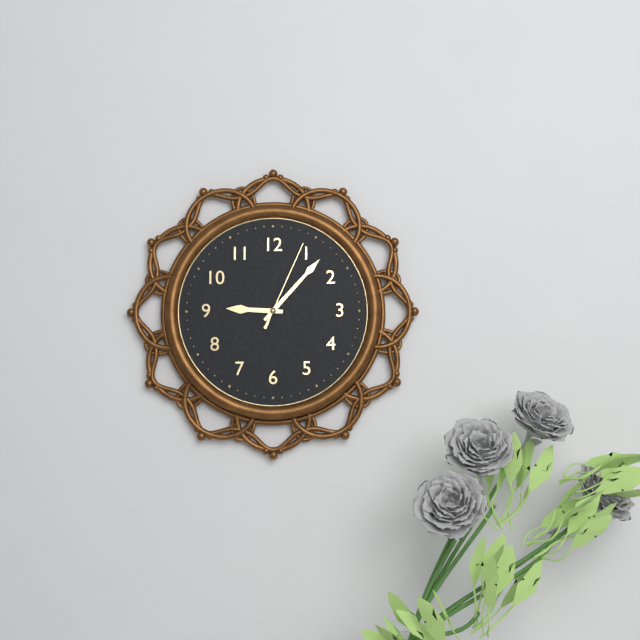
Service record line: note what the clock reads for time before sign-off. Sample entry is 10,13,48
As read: 9,07,04
